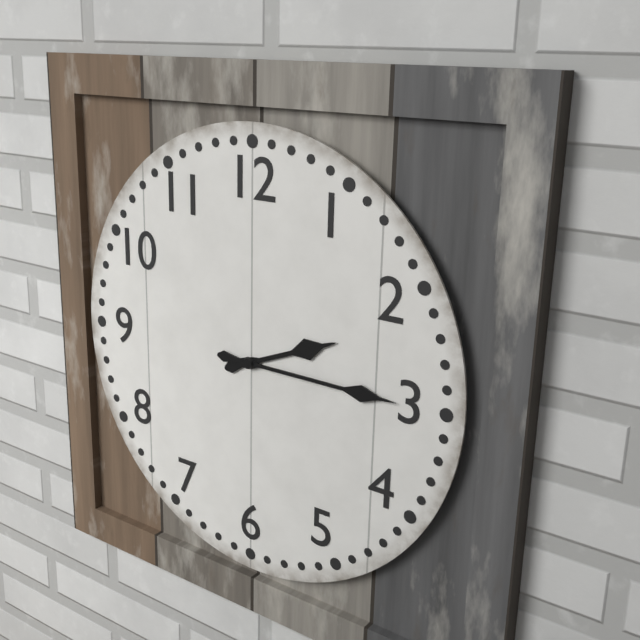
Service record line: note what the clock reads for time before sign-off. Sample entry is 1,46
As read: 2,15
